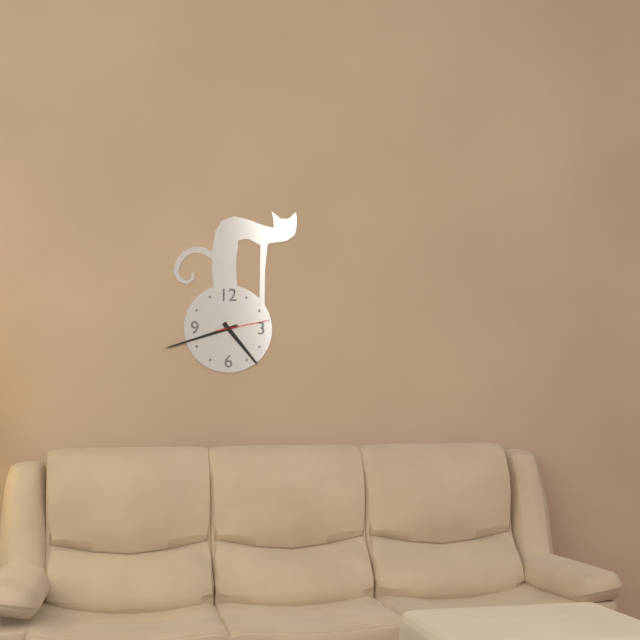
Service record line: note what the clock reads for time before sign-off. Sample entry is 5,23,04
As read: 4,42,13
